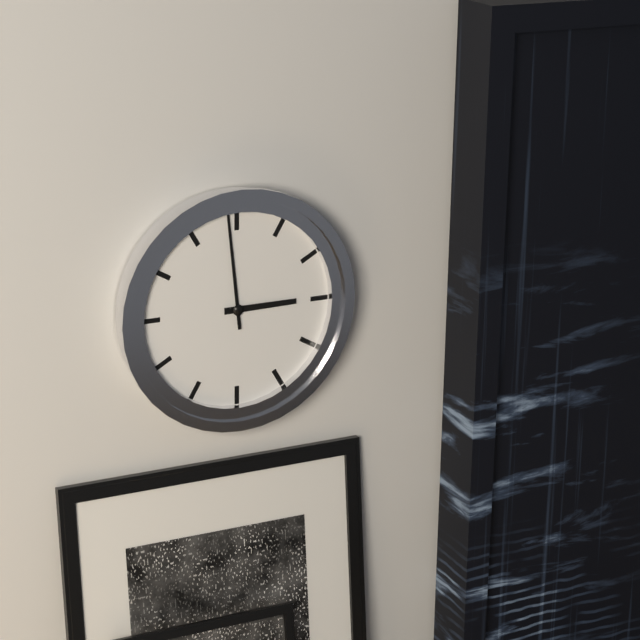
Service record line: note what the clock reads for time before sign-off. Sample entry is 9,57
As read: 2,59
